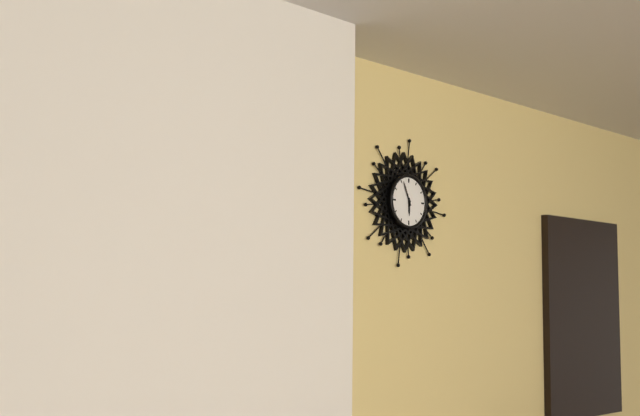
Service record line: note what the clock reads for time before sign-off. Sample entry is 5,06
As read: 5,56
